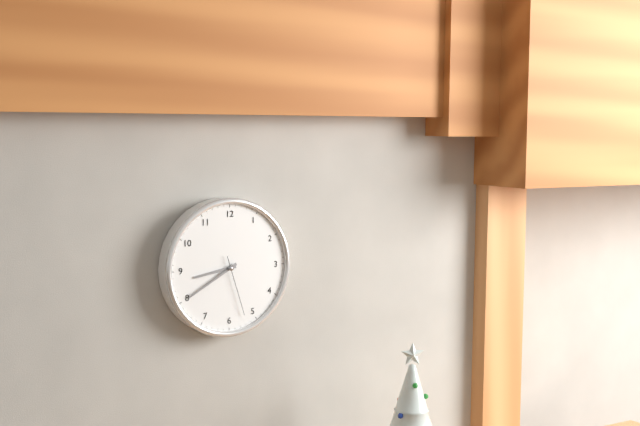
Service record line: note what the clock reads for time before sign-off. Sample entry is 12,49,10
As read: 8,40,27
